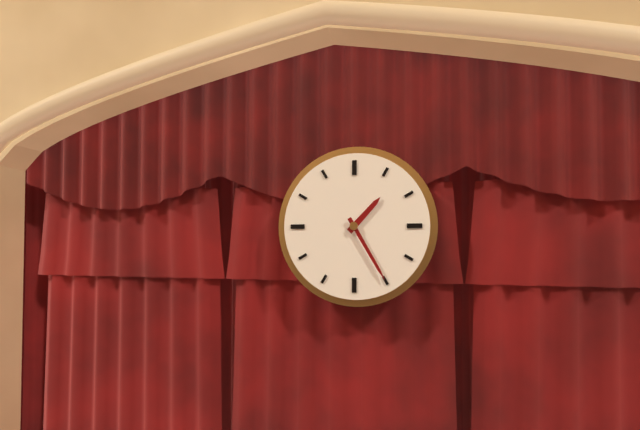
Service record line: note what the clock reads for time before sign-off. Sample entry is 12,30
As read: 1,25
